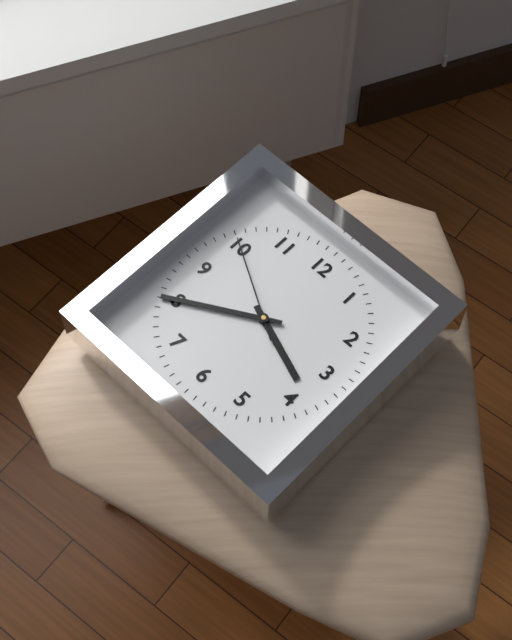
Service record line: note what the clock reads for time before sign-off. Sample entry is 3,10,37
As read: 3,40,50
